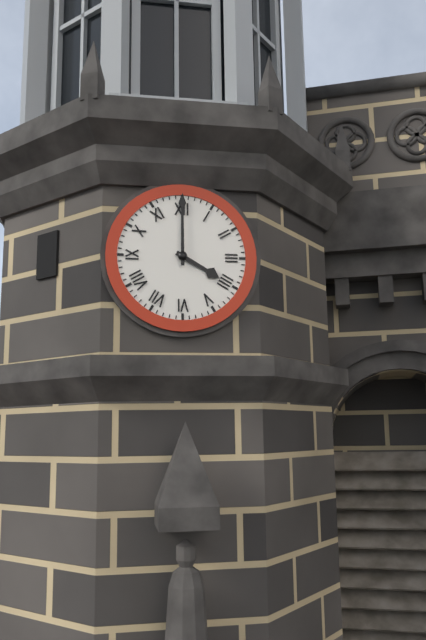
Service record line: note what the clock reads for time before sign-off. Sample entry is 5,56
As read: 4,00
